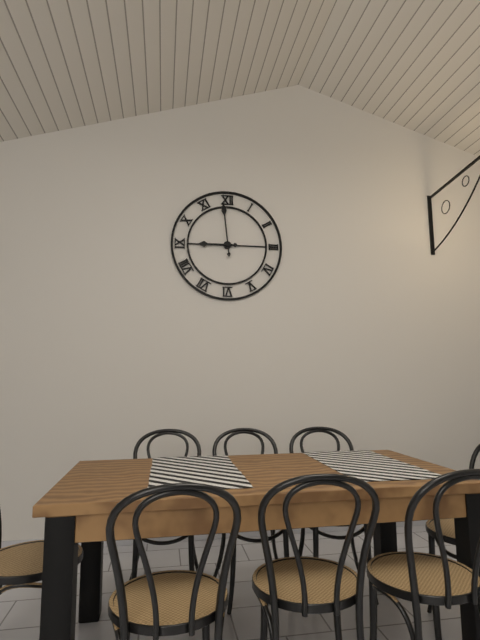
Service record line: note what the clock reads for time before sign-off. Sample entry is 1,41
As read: 8,59
